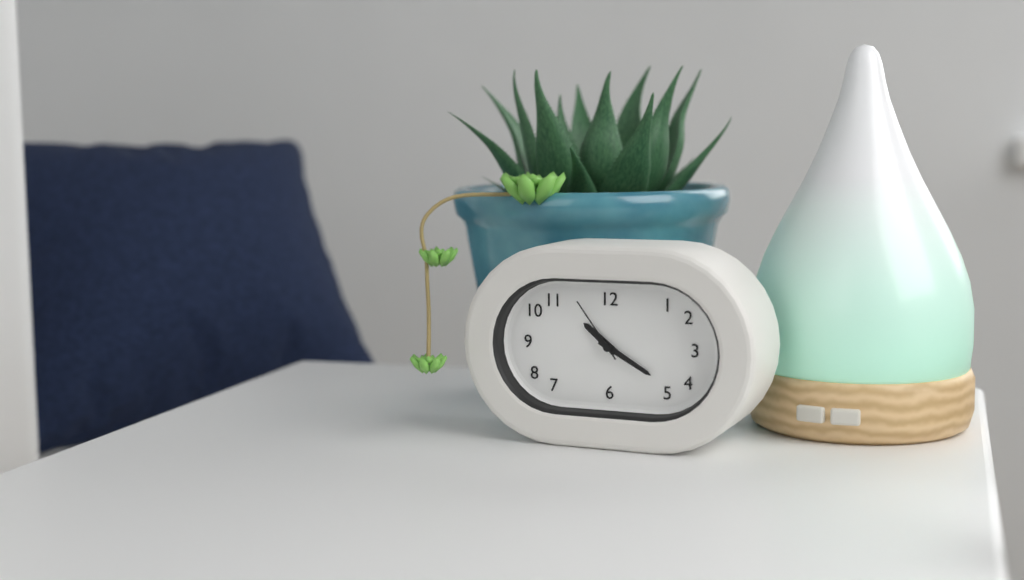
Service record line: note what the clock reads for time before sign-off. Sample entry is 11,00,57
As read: 10,20,54
